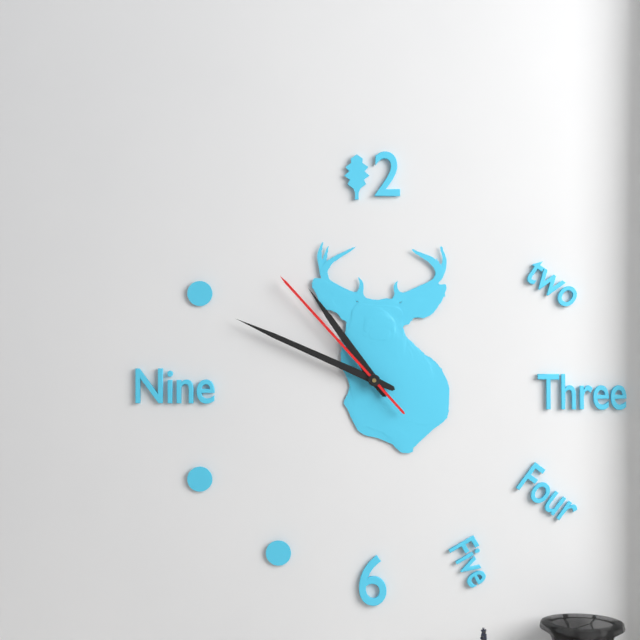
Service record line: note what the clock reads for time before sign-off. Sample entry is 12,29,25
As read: 10,49,53
